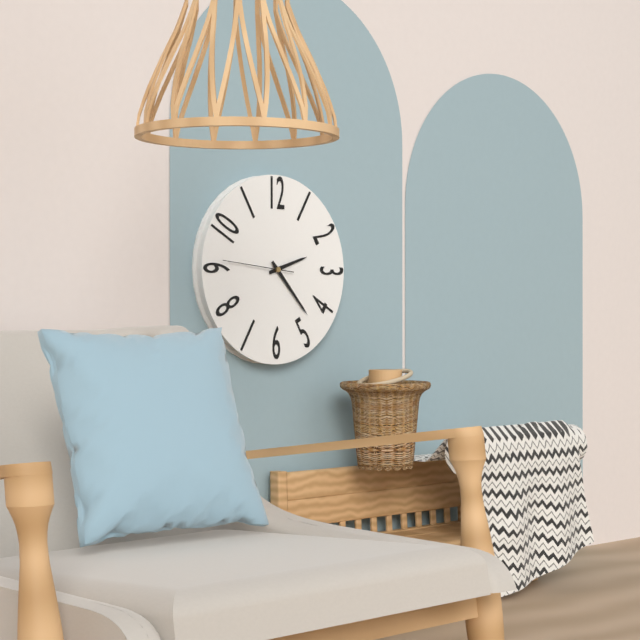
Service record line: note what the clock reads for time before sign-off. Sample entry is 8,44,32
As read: 2,23,46
